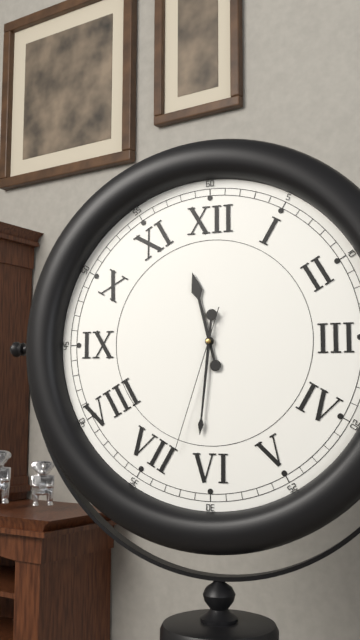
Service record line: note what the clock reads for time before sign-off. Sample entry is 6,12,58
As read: 11,31,33
